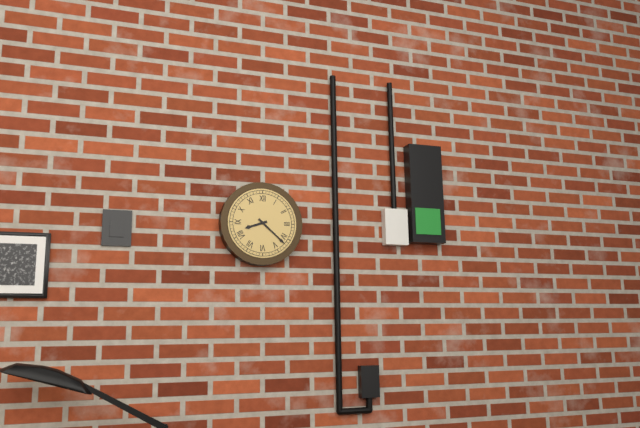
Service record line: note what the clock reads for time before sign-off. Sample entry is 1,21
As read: 8,22
